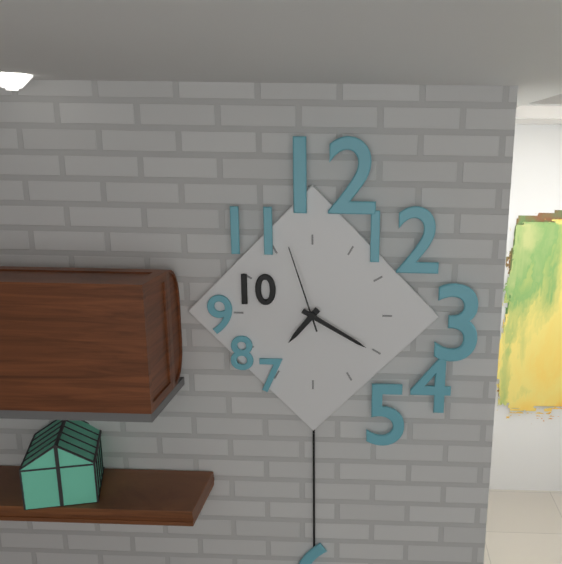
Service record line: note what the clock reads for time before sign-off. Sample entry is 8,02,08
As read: 7,20,57
